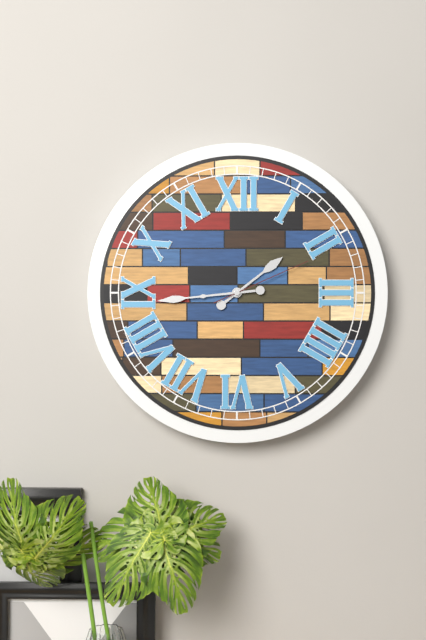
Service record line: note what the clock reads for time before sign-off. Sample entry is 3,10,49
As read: 1,44,11
